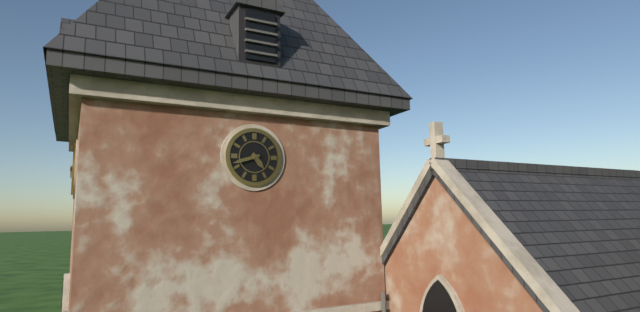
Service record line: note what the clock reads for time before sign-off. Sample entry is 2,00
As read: 4,42
